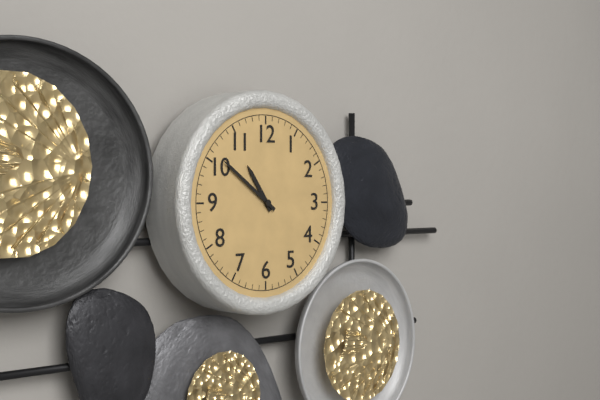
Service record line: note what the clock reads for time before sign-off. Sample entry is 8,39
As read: 10,51
